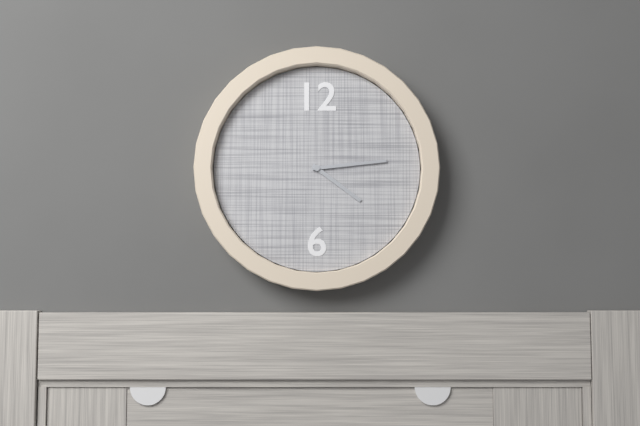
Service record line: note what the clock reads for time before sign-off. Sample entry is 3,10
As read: 4,14
